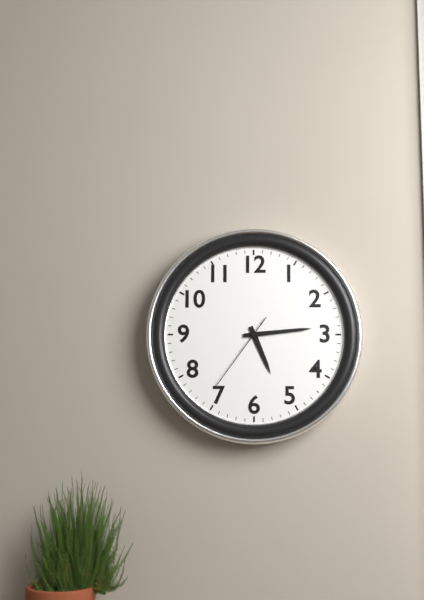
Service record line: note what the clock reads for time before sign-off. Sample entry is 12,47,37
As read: 5,14,36
